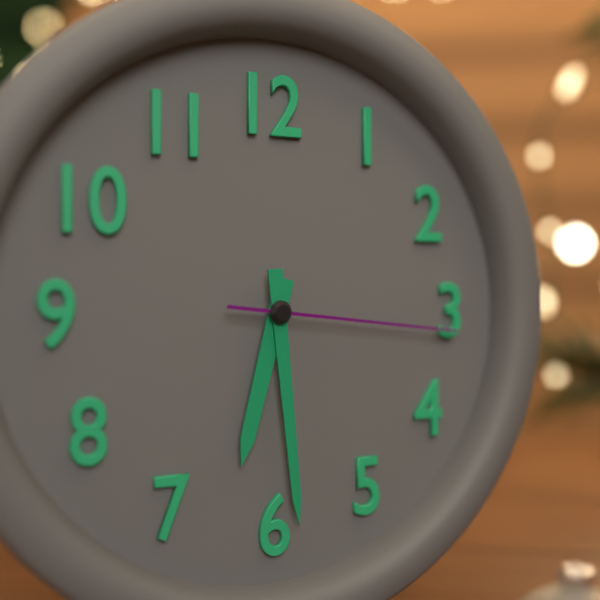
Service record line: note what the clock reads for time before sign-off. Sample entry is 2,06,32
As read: 6,29,16
